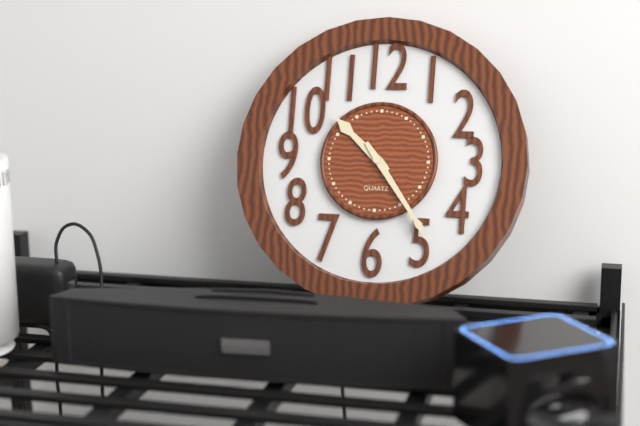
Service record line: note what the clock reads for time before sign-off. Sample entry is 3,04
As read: 10,24
